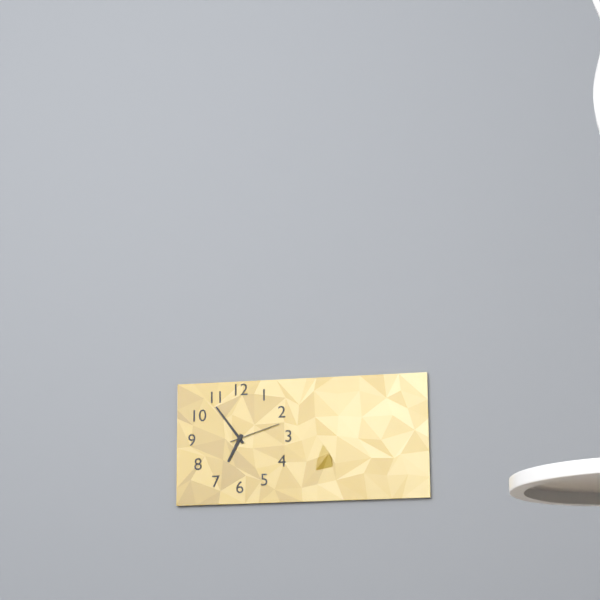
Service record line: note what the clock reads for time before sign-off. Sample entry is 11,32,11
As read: 6,54,12
